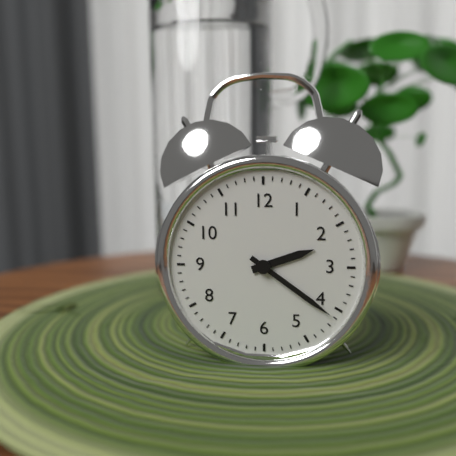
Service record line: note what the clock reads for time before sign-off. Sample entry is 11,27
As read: 2,21
